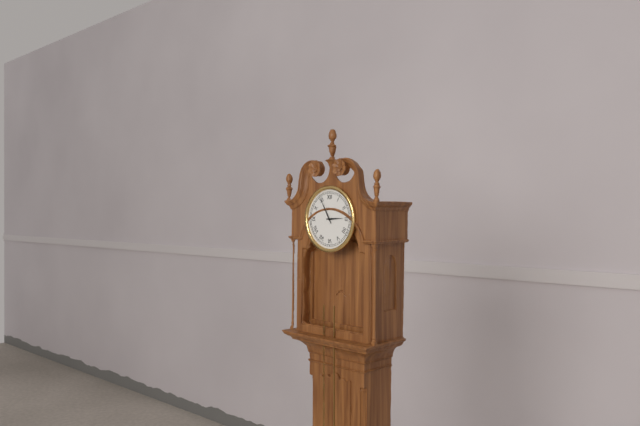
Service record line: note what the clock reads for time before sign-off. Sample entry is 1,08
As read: 2,55
